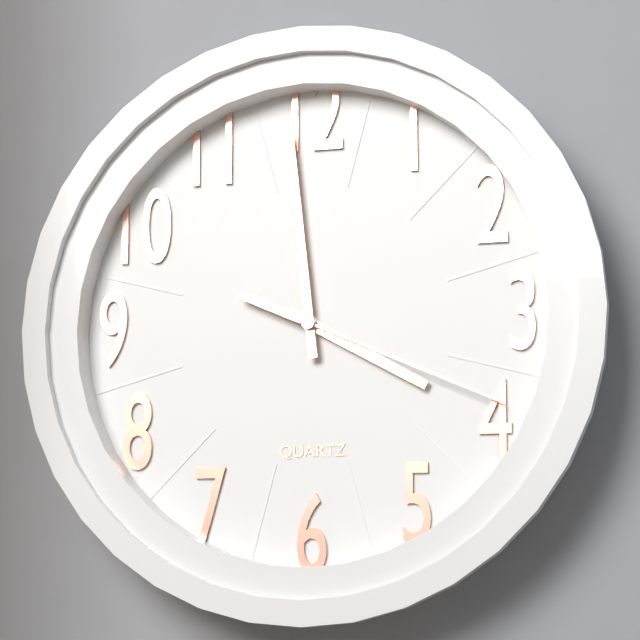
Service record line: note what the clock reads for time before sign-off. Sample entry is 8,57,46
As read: 3,59,19
